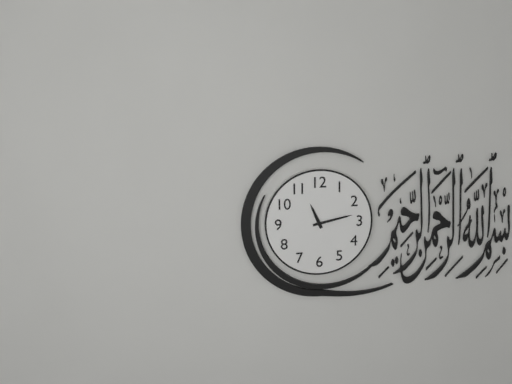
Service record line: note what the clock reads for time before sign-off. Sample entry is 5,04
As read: 11,13
